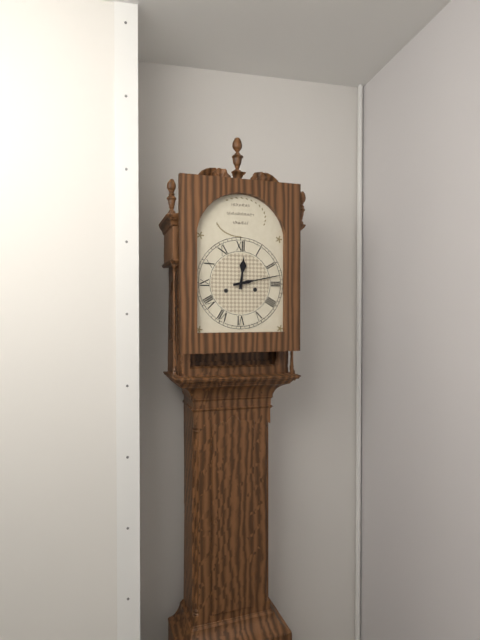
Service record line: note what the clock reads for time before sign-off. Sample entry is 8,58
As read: 12,13
